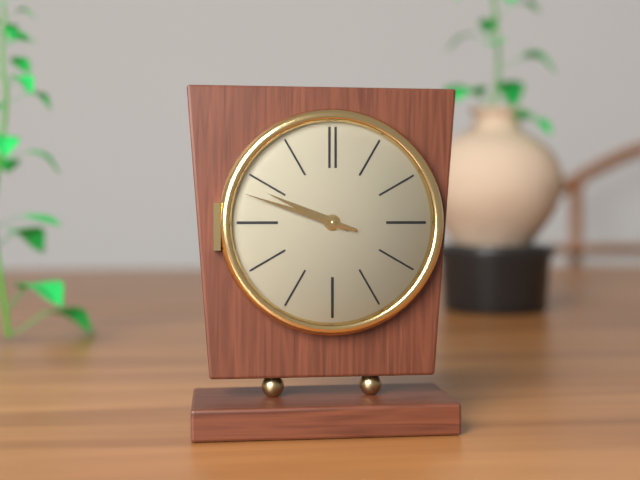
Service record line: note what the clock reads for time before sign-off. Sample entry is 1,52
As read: 9,48
